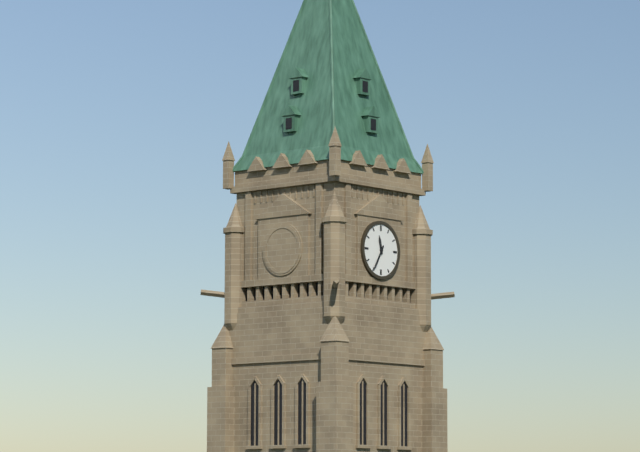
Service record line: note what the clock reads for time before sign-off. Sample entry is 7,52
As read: 11,35
